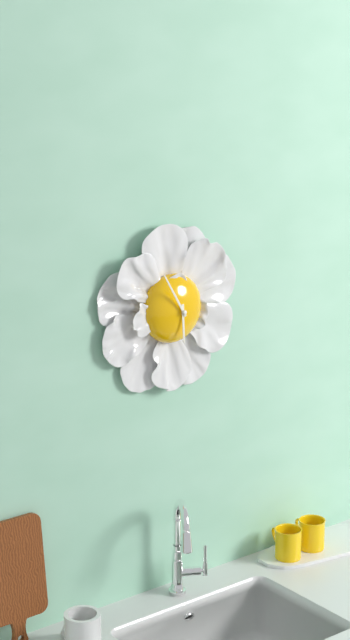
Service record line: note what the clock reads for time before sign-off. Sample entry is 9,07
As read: 5,55
